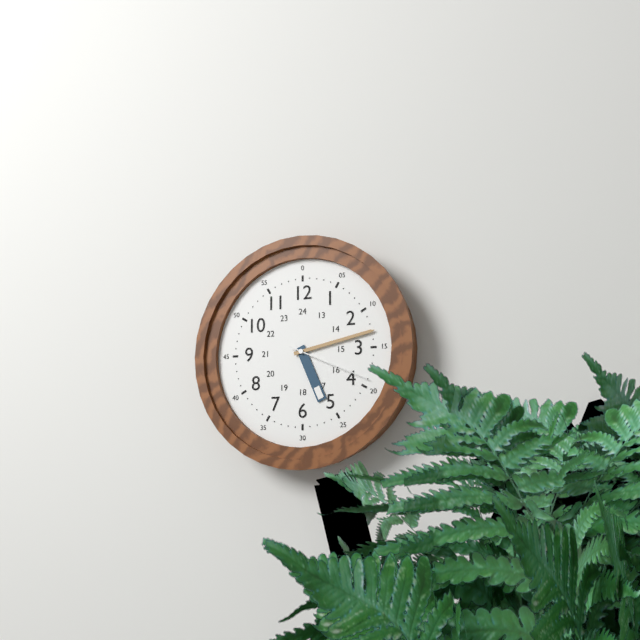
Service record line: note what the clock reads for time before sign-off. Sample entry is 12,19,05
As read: 5,13,19
